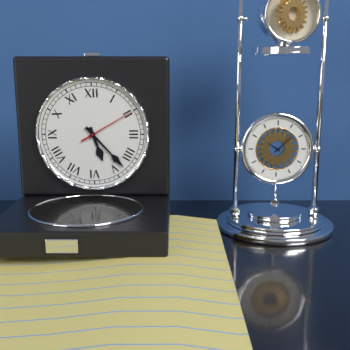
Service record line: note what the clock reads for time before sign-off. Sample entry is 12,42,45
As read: 5,23,10
